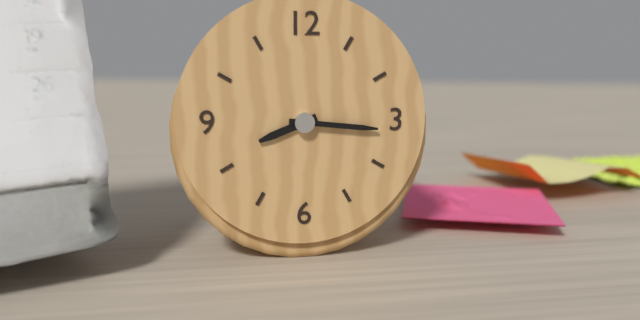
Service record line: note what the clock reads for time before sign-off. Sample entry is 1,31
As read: 8,16
